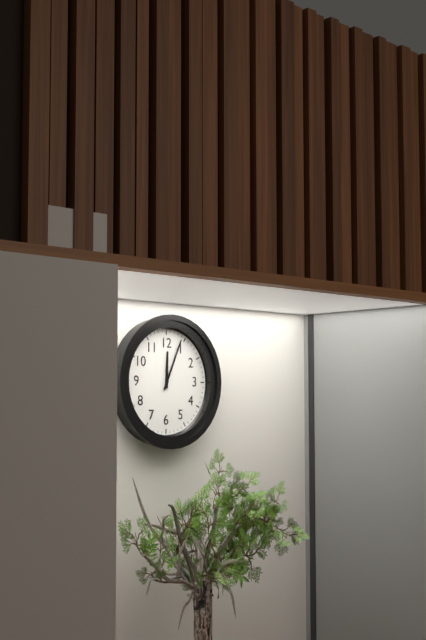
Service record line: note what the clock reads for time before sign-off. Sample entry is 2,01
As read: 12,04
